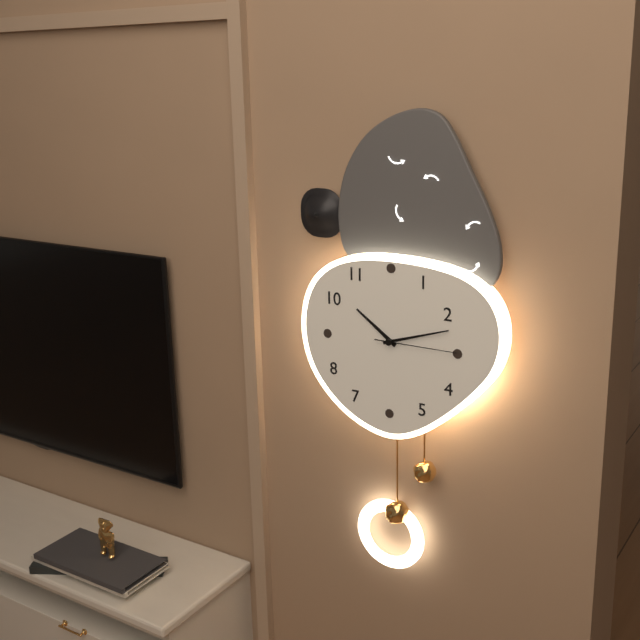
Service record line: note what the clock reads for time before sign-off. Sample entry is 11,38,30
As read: 10,12,15
